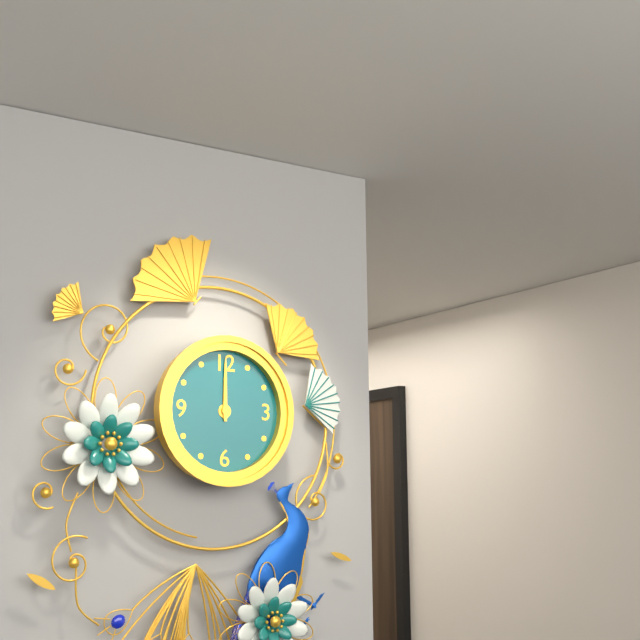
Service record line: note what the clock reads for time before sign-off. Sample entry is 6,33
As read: 12,00
